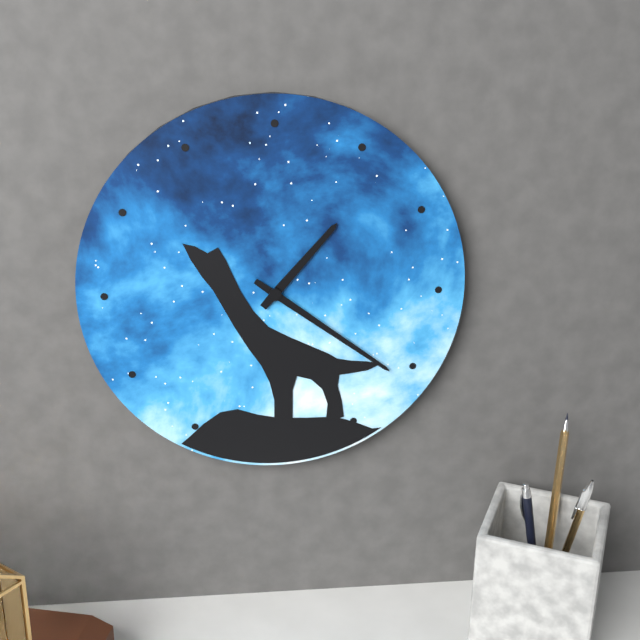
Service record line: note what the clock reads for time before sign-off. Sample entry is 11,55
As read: 1,21
